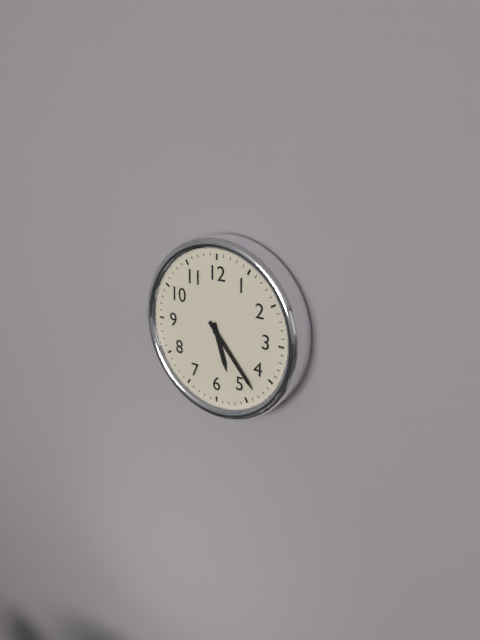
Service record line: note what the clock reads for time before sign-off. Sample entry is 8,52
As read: 5,23
